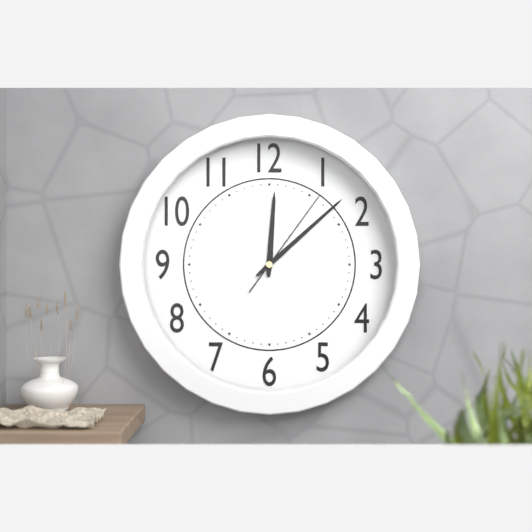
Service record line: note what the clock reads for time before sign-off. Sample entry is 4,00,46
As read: 12,08,06
